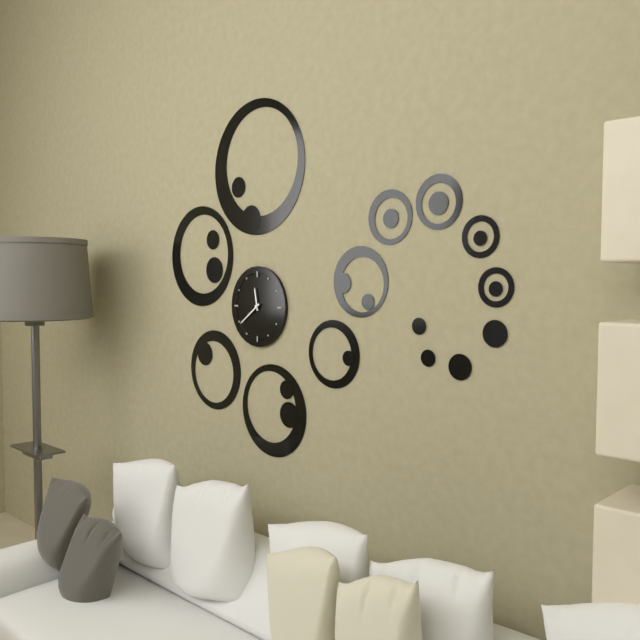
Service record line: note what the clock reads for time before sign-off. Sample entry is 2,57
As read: 11,39
